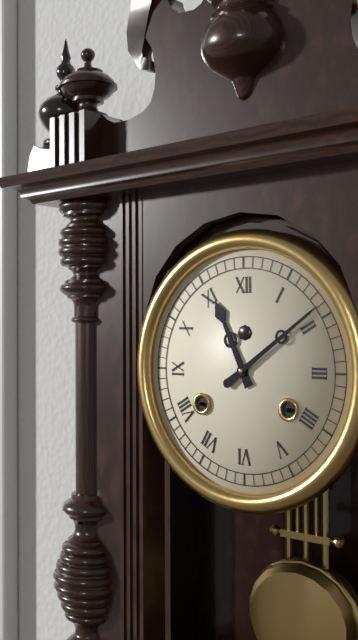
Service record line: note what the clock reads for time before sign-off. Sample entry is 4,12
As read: 11,09
